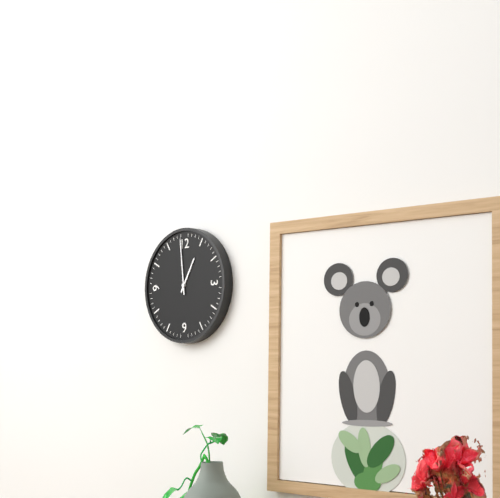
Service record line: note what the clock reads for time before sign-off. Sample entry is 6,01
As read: 12,59
